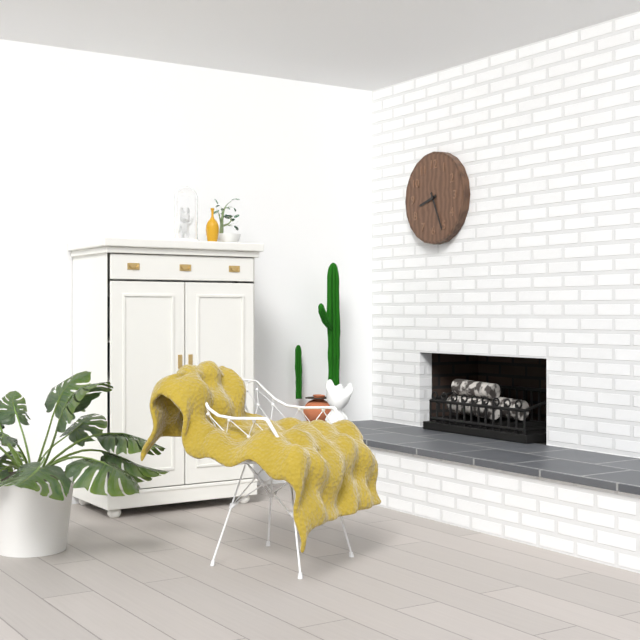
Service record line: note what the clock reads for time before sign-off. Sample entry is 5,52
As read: 8,26
